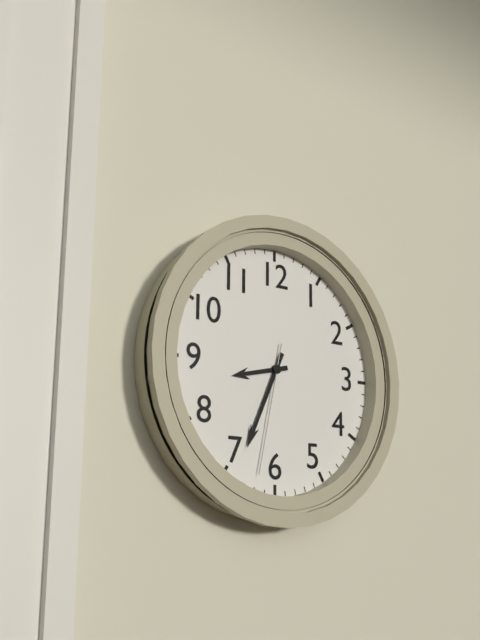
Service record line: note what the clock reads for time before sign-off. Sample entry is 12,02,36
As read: 8,34,32
